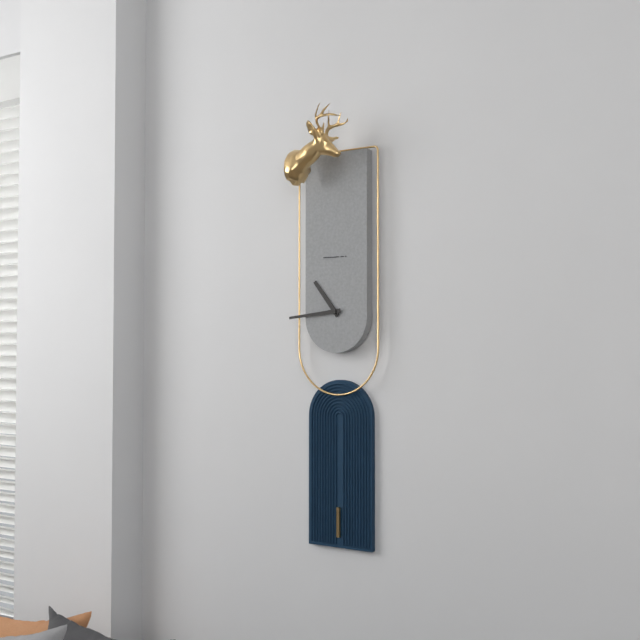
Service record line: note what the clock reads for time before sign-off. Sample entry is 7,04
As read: 10,44
